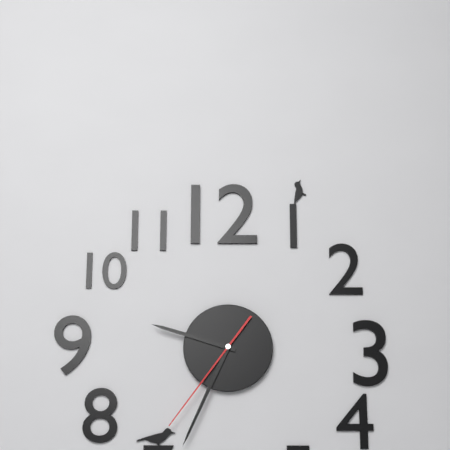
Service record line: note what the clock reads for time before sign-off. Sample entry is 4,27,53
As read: 9,34,36
